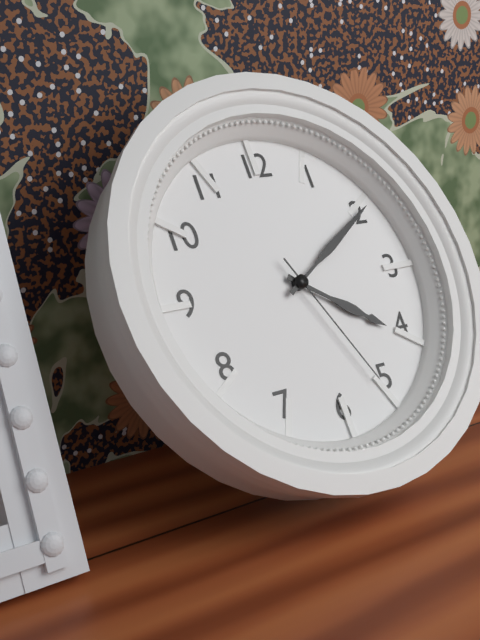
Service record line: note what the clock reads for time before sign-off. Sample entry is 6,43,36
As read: 4,10,26
